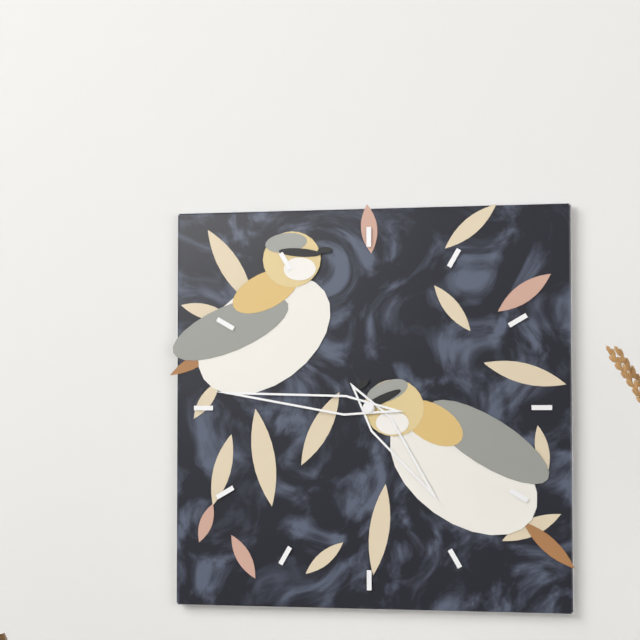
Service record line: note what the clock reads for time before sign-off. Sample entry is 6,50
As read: 4,46
